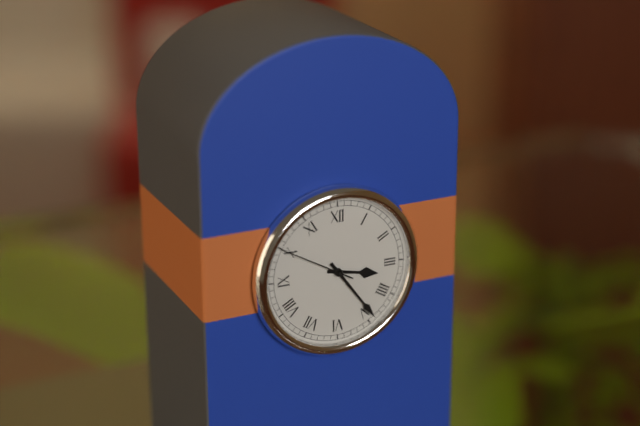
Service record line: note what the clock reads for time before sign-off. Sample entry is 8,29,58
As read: 3,24,50
